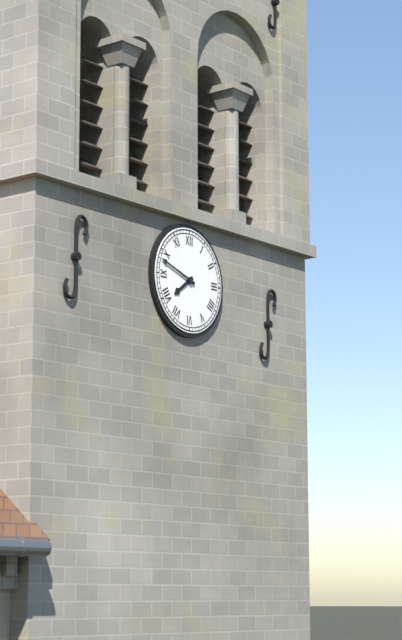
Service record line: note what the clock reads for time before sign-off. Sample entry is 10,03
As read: 7,48
